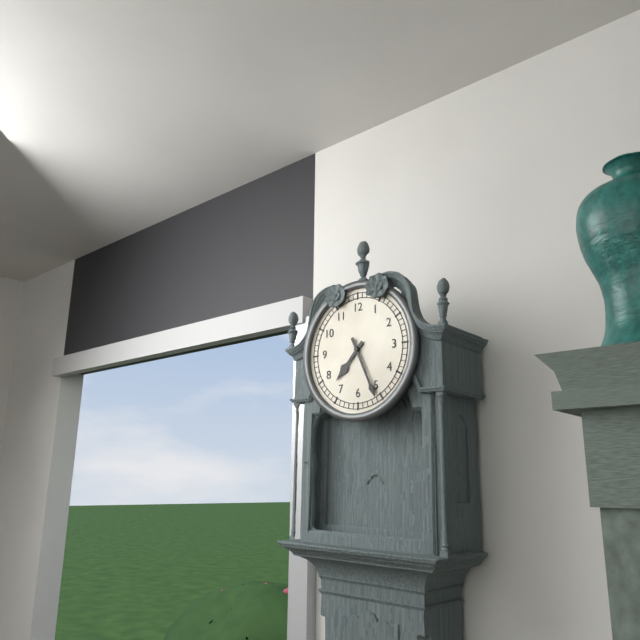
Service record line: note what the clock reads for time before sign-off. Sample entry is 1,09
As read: 7,26
